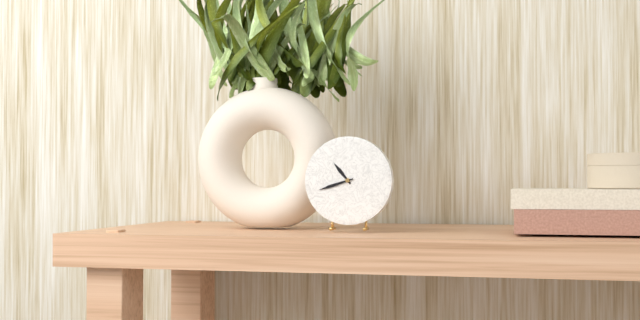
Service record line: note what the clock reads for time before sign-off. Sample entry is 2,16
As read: 10,42
